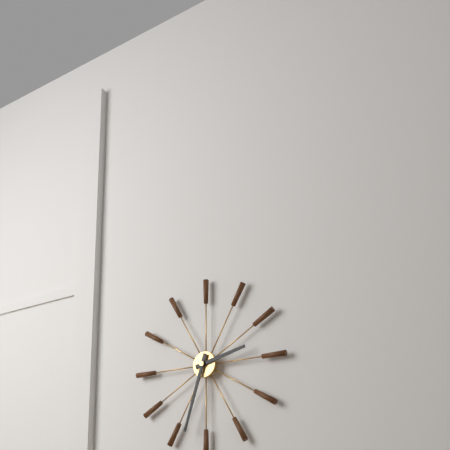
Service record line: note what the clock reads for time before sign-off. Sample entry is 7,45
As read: 2,33
